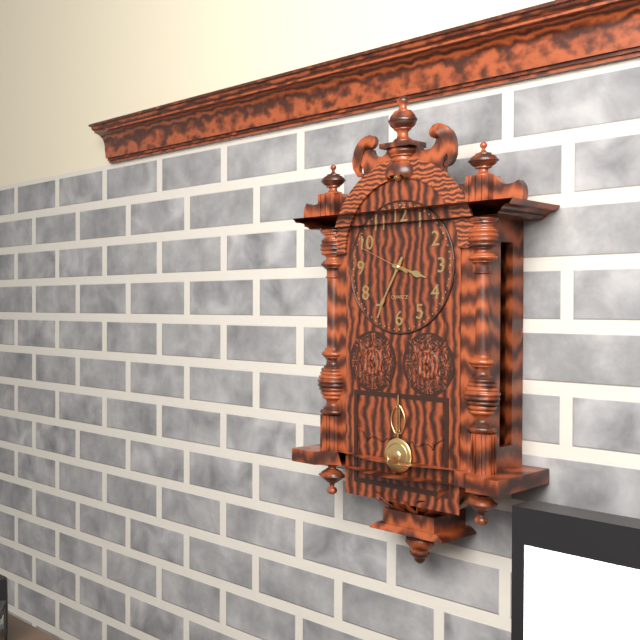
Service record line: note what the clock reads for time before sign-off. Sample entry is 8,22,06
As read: 3,35,49
